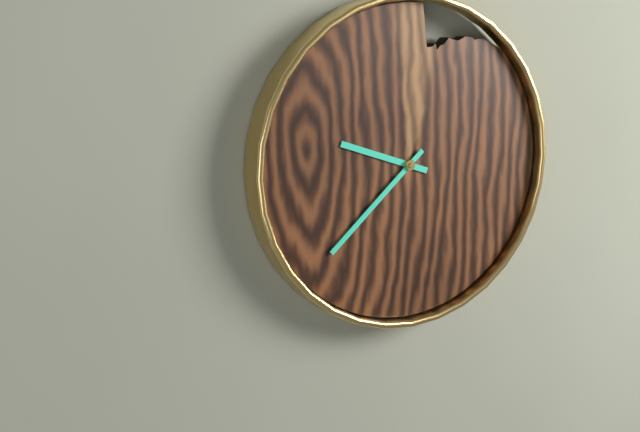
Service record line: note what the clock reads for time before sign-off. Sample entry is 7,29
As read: 9,38
